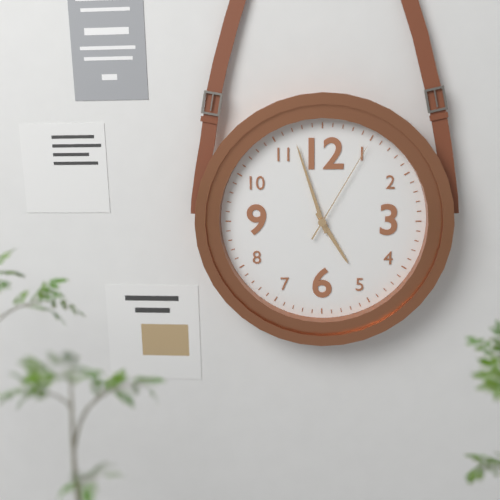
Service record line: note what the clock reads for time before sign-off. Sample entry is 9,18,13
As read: 4,57,05
